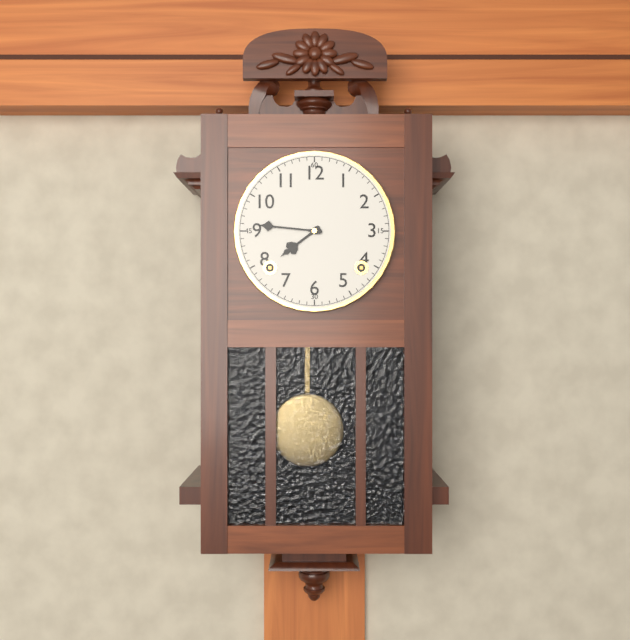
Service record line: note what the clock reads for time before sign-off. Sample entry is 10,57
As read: 7,46
